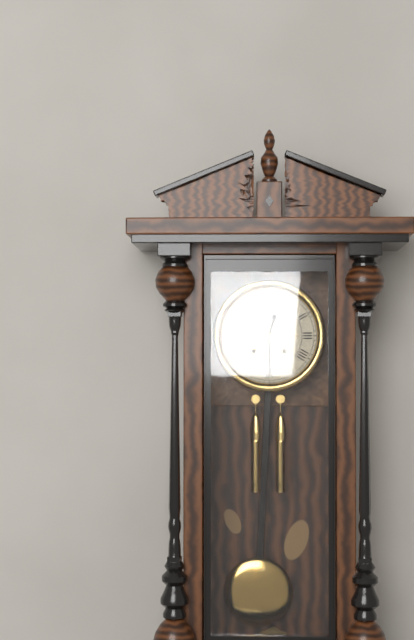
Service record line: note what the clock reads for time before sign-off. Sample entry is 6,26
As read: 12,30
